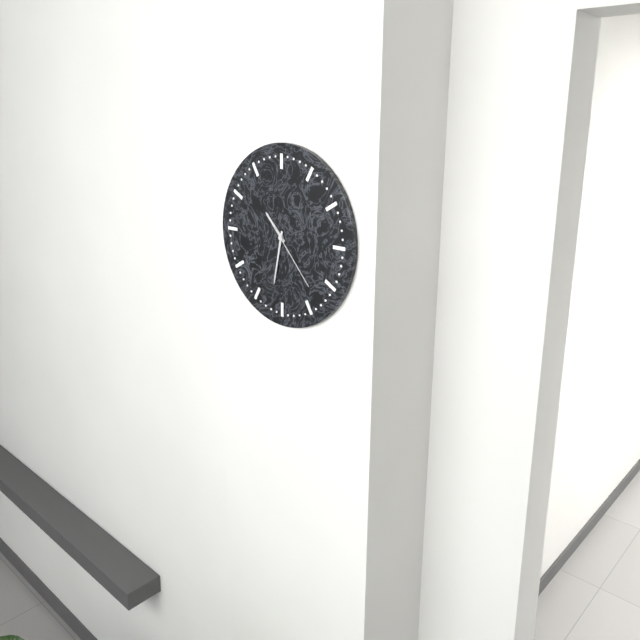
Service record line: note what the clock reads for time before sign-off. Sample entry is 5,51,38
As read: 10,32,23
